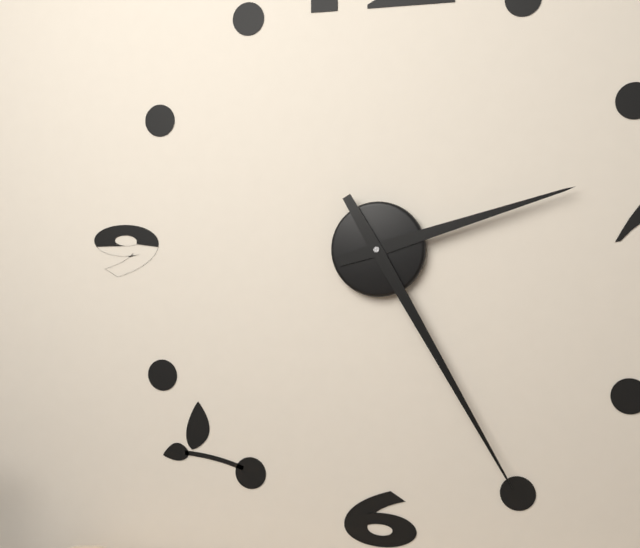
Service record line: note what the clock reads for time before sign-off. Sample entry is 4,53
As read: 2,25
